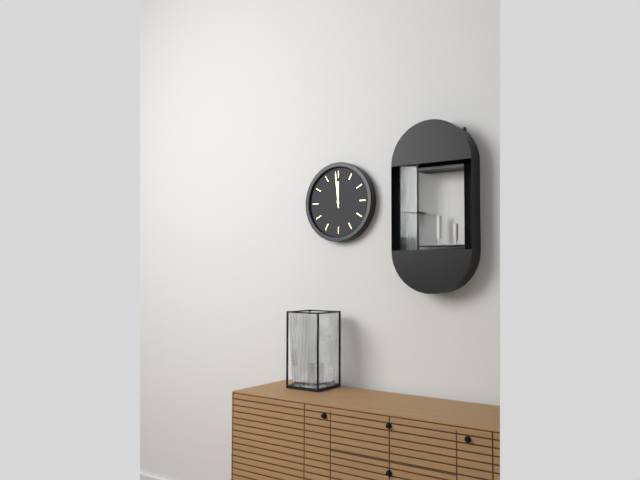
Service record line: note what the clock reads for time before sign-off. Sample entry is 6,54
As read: 11,59
